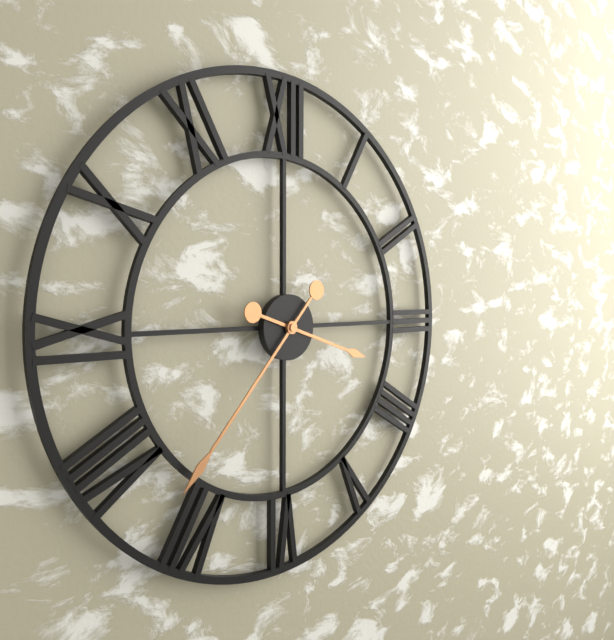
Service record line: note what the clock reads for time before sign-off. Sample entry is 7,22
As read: 3,37
